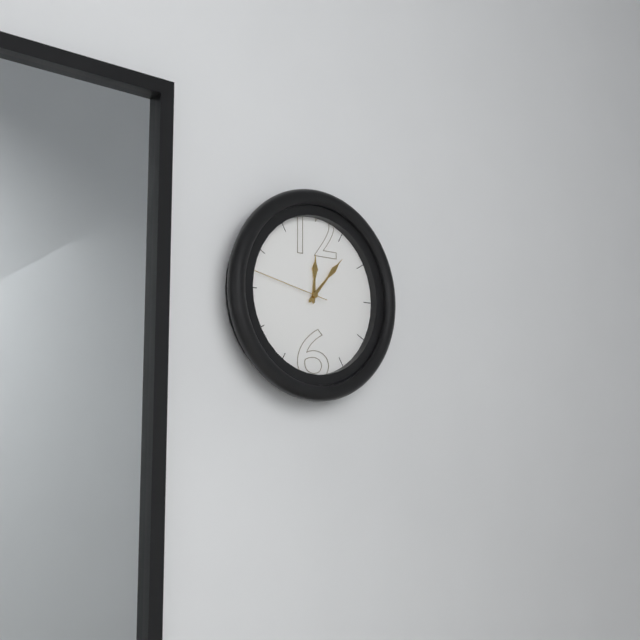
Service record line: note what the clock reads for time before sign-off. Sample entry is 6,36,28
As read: 12,07,47
